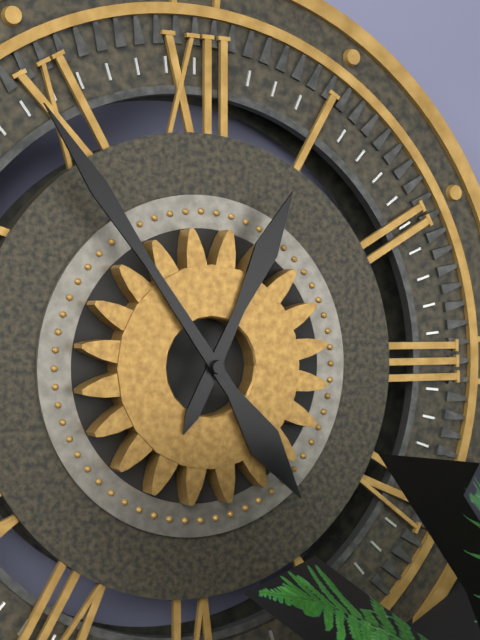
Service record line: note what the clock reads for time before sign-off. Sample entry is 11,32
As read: 12,54
